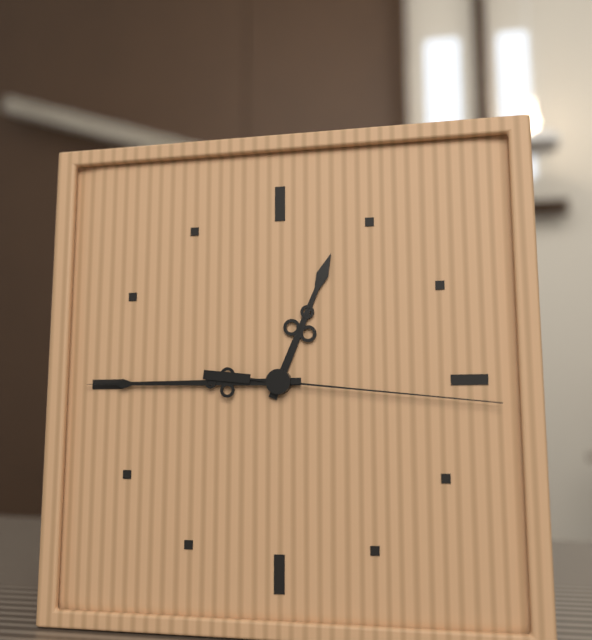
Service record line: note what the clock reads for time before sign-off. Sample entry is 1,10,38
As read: 12,45,16
